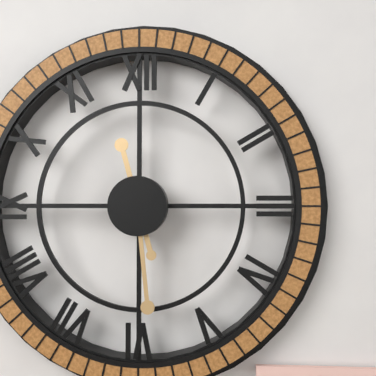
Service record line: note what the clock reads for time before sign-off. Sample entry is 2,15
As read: 11,29
